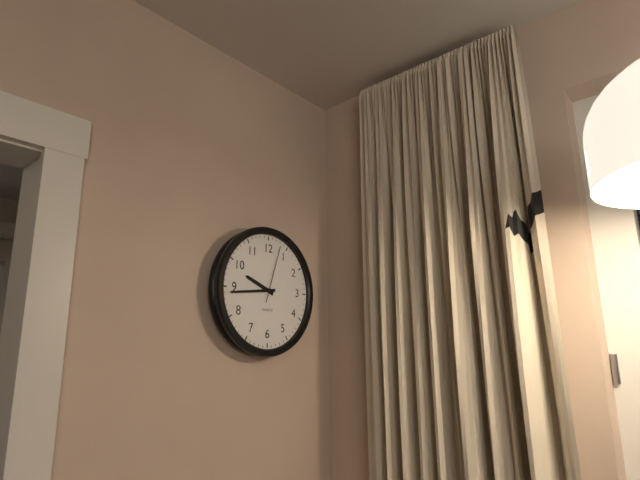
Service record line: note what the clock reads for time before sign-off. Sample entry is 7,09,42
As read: 9,44,03
